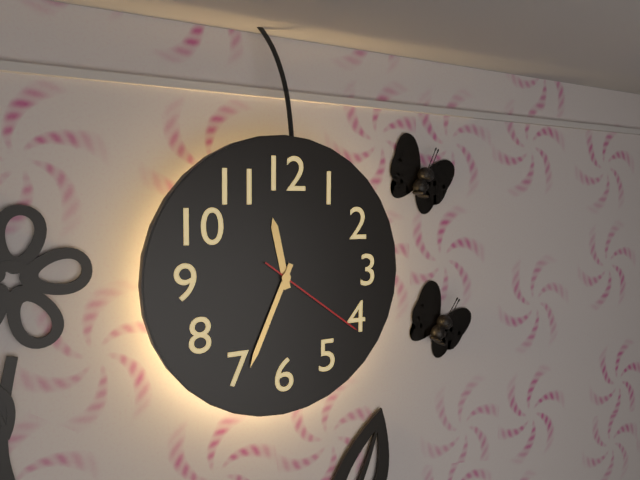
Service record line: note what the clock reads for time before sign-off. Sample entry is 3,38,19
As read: 11,34,21
